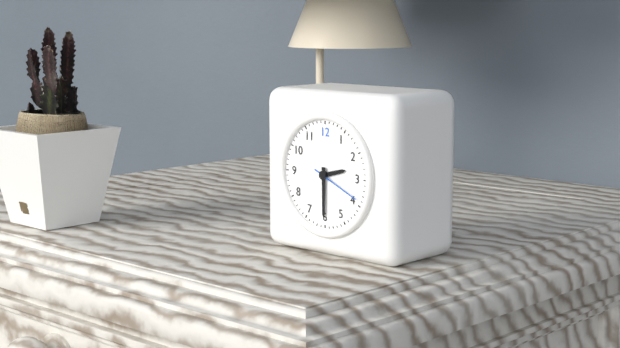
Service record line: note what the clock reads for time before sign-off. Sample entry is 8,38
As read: 2,30
